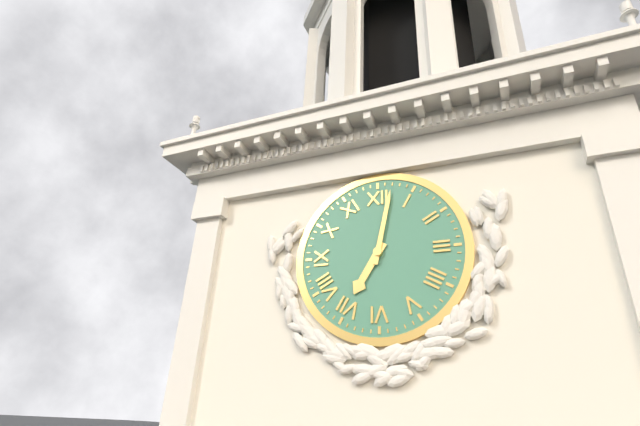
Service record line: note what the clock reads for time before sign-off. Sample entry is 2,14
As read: 7,02
